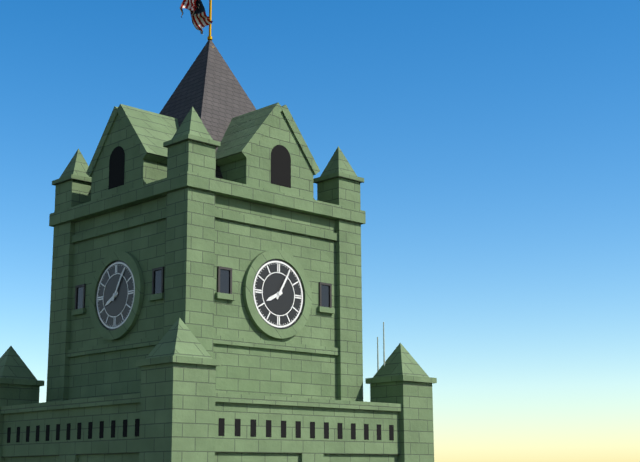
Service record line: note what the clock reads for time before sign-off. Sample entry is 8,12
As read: 8,05
